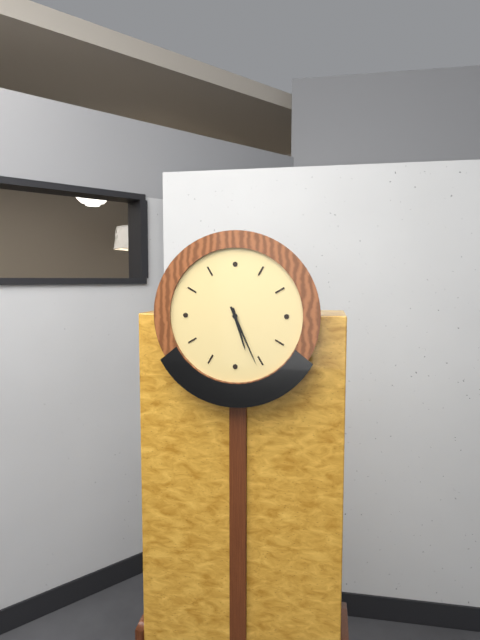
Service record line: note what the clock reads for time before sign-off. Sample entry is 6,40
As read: 5,26
